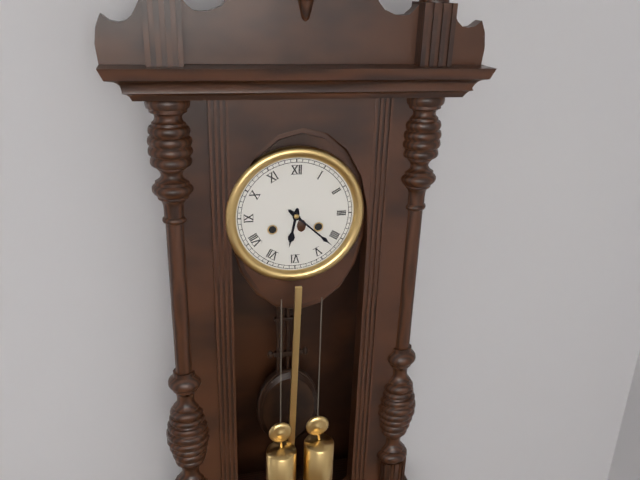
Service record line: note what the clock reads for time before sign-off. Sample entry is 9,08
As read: 6,22
